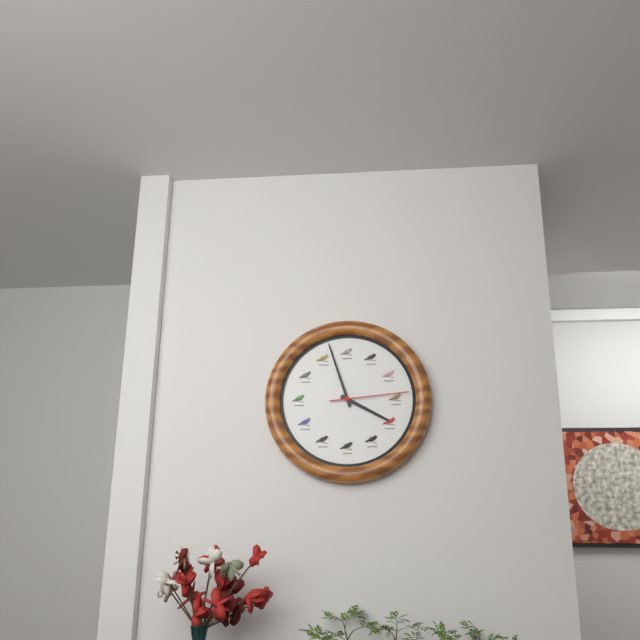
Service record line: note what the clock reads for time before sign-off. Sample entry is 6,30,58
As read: 3,57,14
